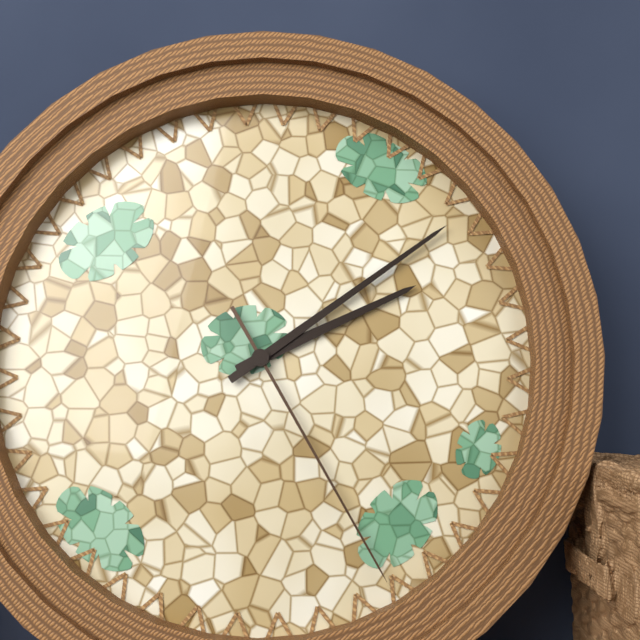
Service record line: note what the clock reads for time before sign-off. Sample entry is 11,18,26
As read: 2,09,25
